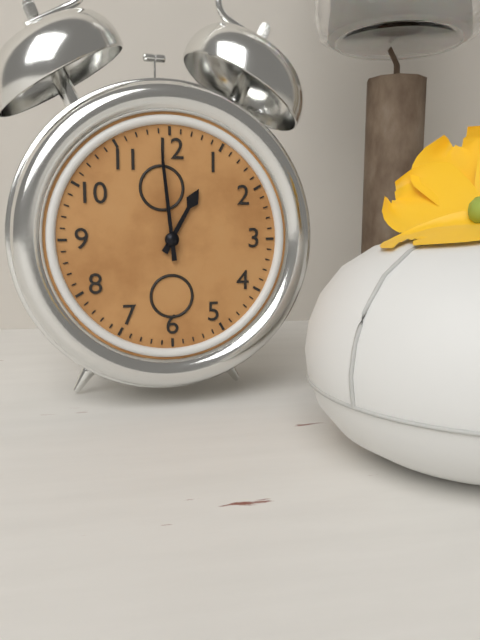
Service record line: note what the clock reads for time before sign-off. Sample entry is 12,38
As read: 12,59
